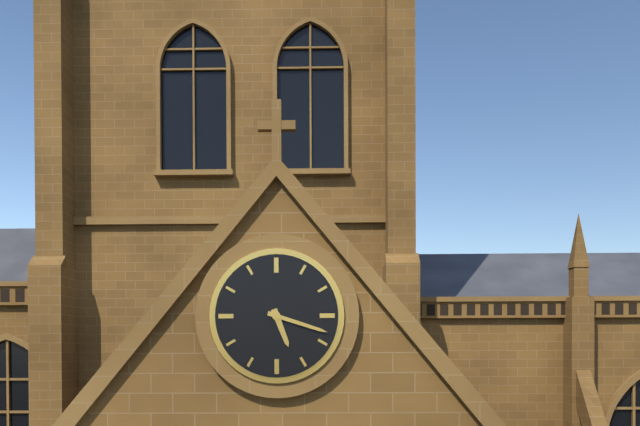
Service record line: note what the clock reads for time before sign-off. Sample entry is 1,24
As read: 5,18
